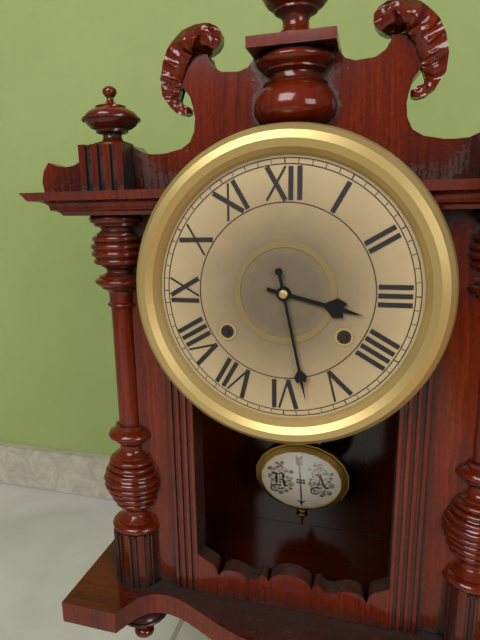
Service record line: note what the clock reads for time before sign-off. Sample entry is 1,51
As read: 3,28
